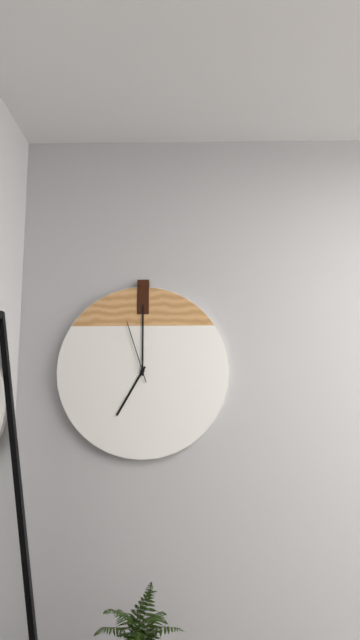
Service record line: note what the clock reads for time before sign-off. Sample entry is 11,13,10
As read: 7,00,57
